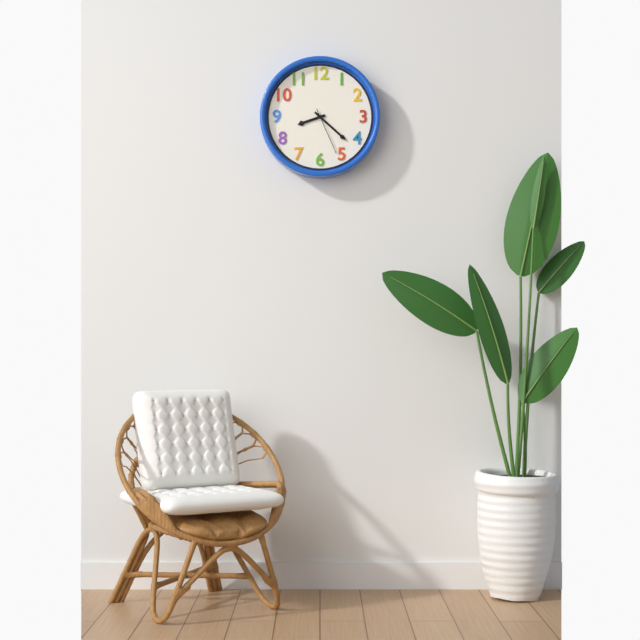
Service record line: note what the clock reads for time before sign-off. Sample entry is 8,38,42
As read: 8,22,26
